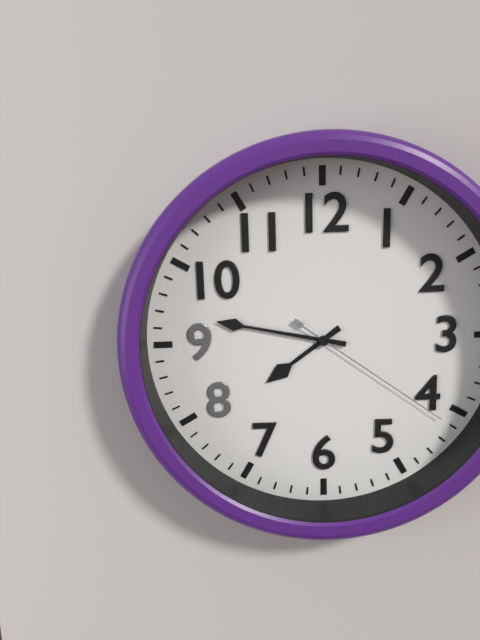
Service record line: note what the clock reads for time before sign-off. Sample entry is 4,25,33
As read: 7,47,21
